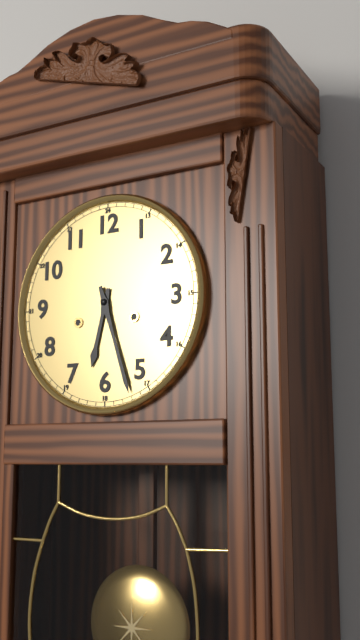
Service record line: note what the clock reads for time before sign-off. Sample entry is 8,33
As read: 6,27
